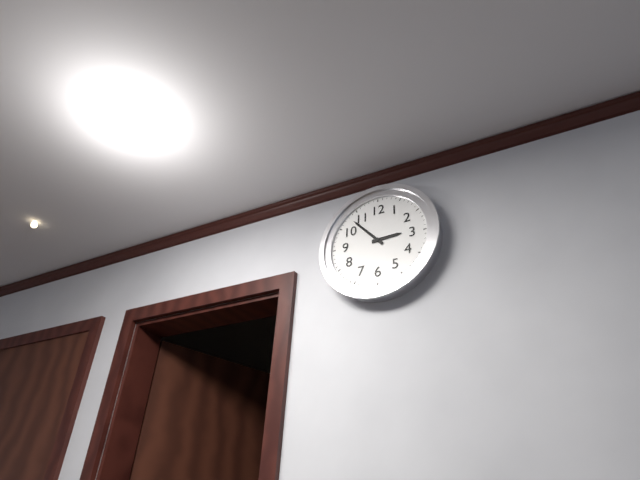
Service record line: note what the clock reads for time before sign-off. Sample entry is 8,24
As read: 2,53
